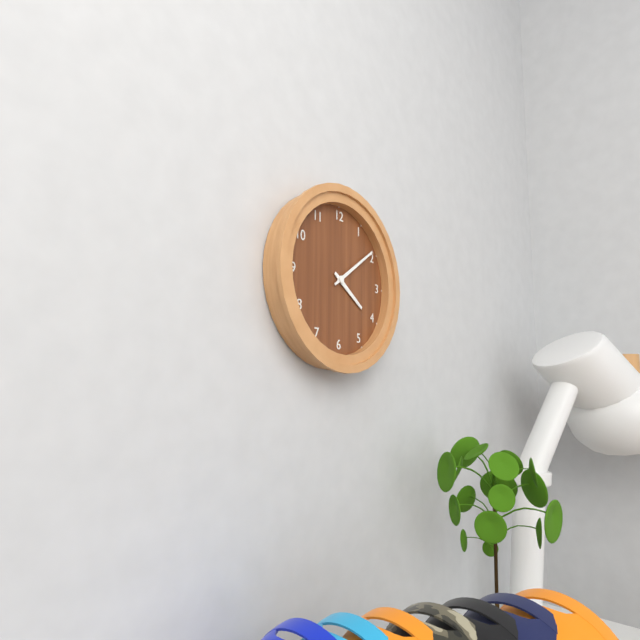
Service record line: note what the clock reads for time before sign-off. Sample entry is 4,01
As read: 4,09
